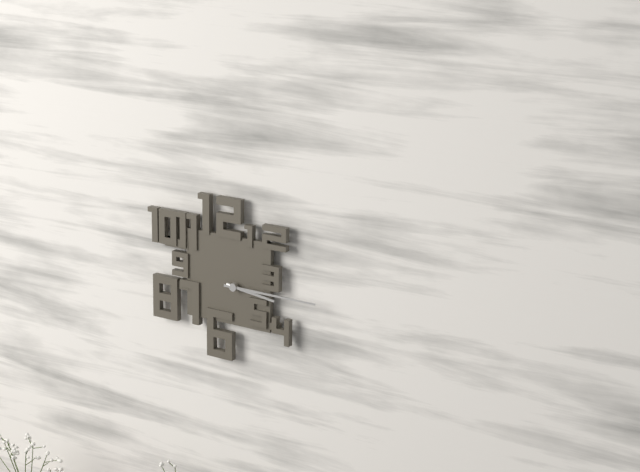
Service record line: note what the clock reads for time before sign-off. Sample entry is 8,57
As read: 3,15
